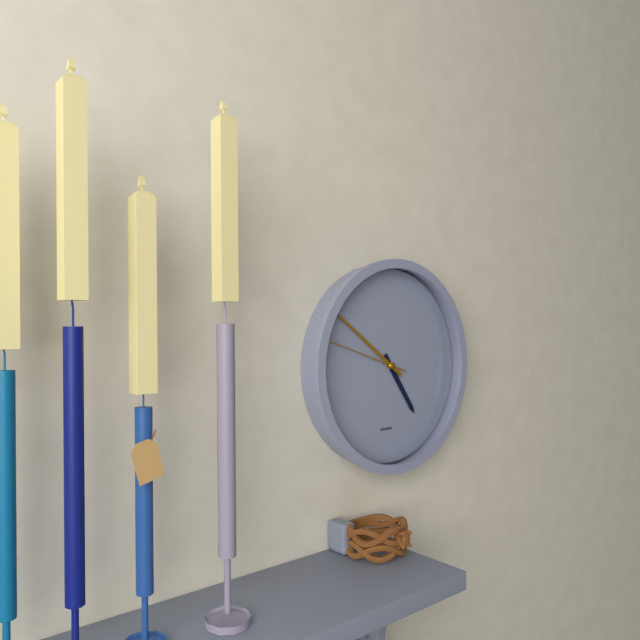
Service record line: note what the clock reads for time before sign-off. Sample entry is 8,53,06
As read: 4,51,48
